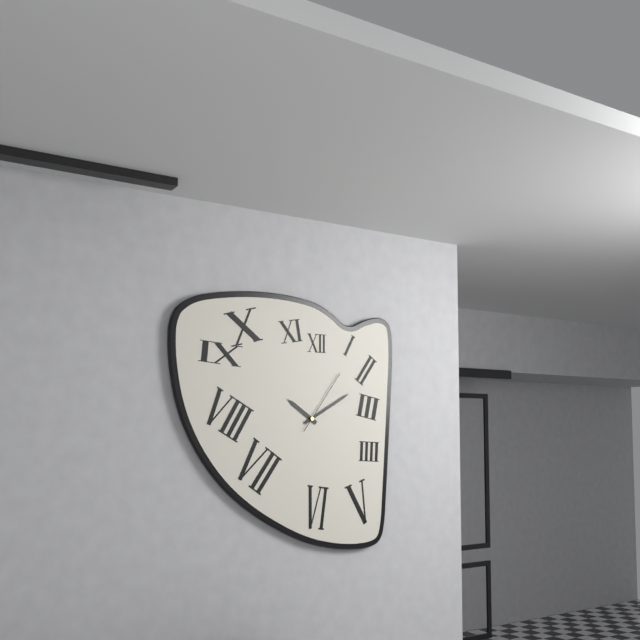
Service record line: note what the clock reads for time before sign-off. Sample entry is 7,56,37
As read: 10,10,06
